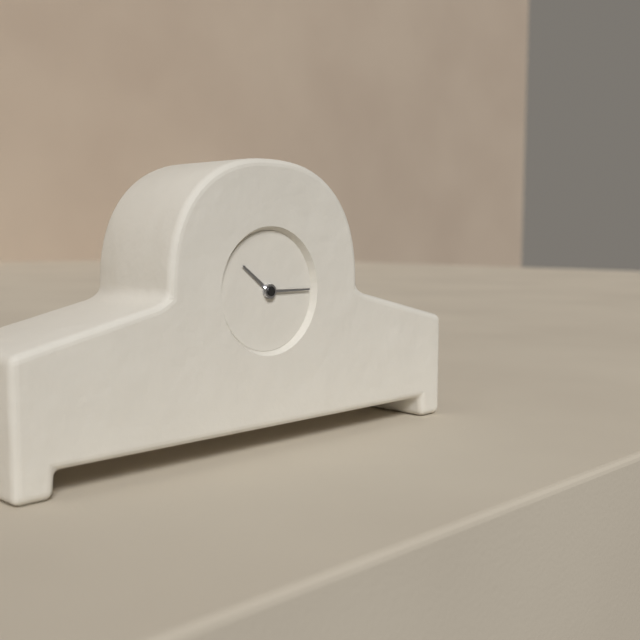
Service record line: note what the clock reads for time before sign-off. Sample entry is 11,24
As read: 10,15
